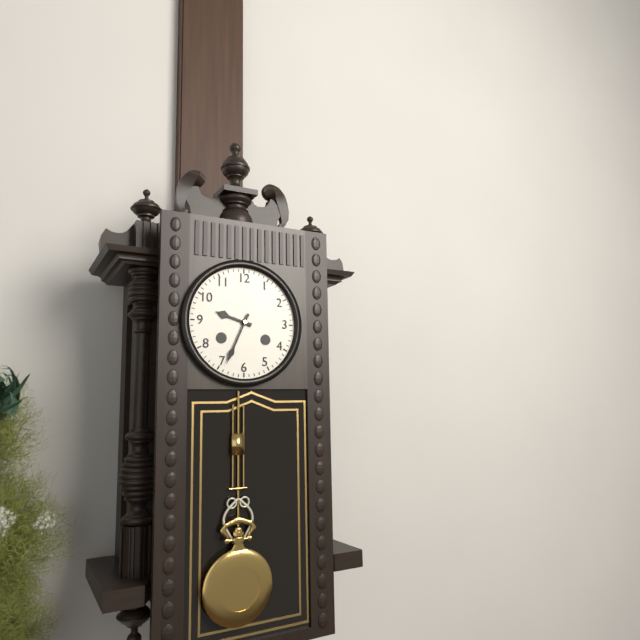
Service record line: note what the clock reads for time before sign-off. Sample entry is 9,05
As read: 9,34
